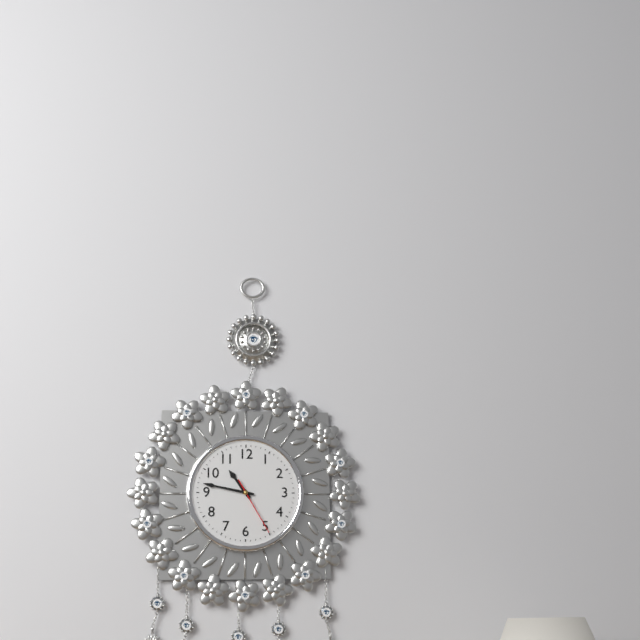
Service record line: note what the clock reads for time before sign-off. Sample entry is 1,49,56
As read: 10,47,25
